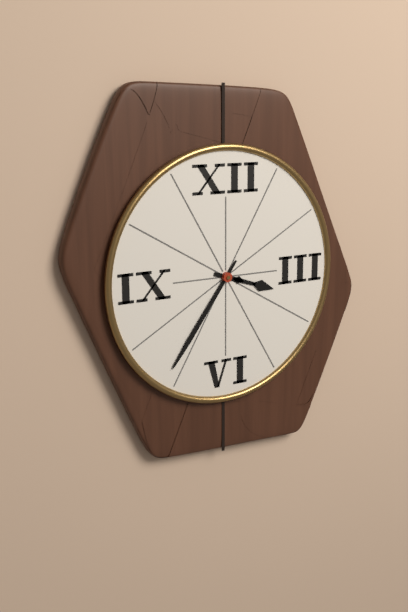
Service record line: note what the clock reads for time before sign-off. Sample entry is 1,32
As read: 3,36
